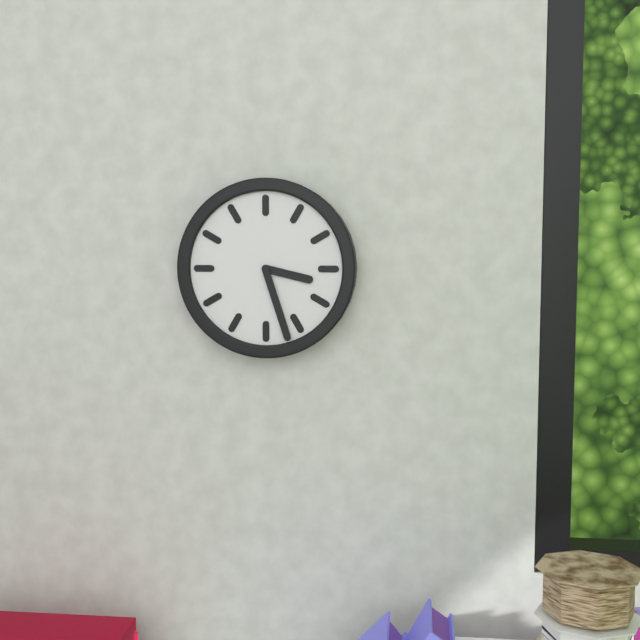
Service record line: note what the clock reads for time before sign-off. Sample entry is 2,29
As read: 3,27
